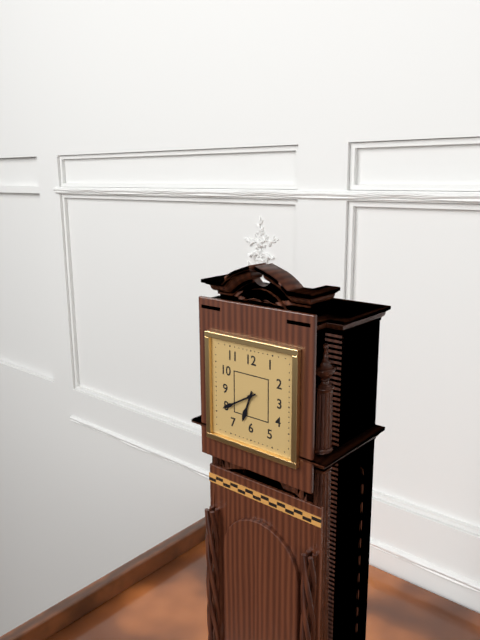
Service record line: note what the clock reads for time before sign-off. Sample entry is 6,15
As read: 6,40
